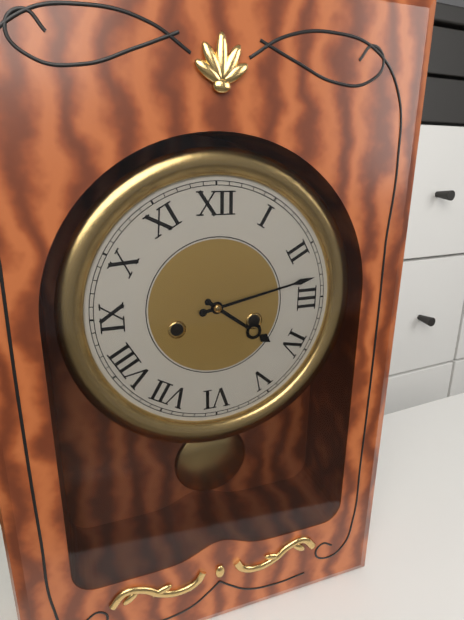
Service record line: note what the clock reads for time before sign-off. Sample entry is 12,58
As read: 4,13
